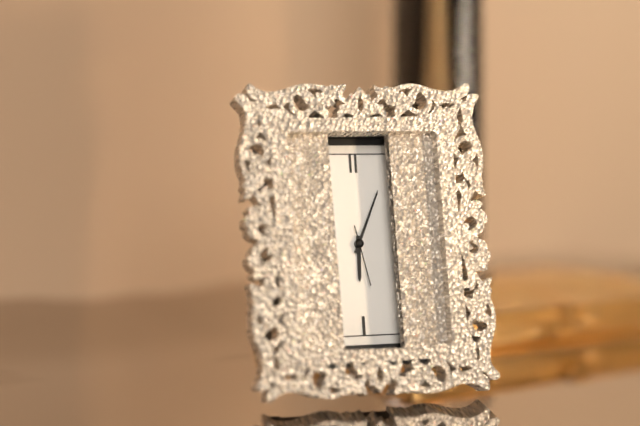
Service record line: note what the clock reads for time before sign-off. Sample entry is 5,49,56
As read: 6,04,28
